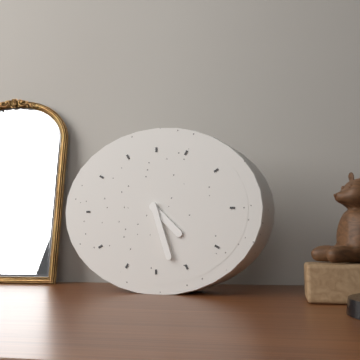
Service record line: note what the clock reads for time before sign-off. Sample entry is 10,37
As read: 4,27
